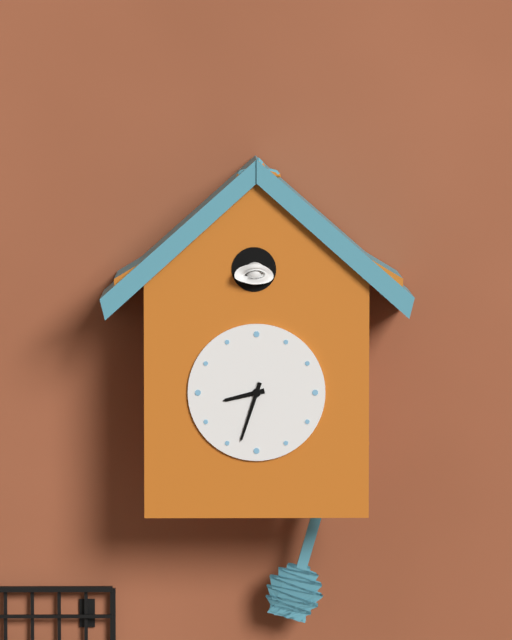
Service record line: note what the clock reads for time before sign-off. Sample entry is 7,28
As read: 8,33
